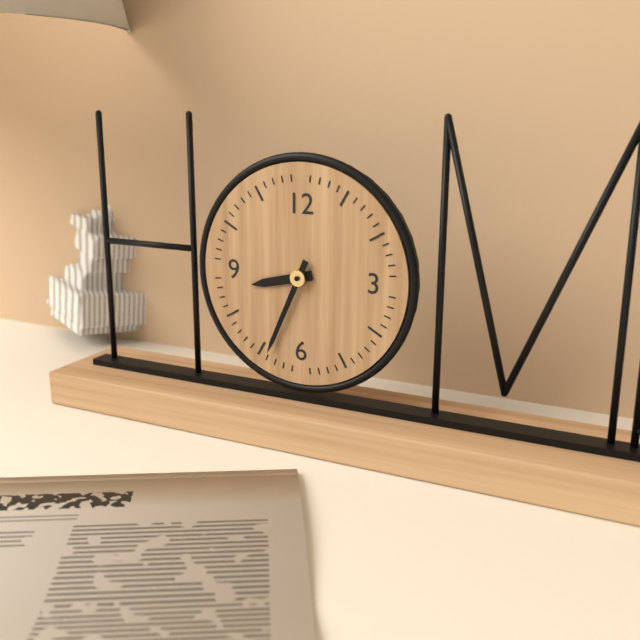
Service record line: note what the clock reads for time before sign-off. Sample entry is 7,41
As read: 8,34
